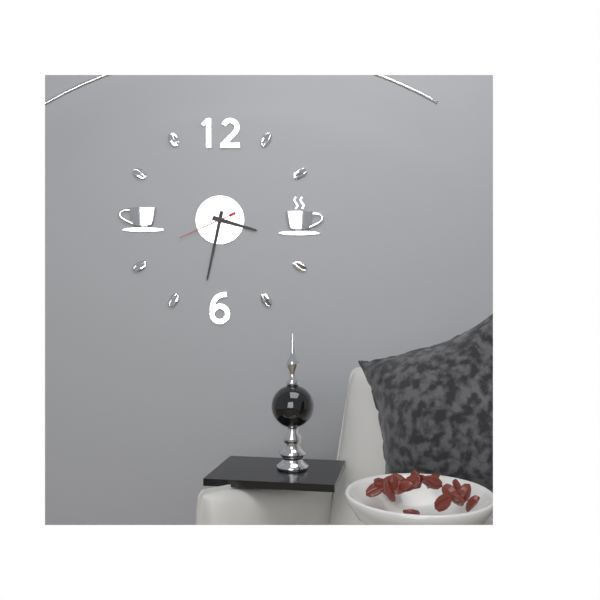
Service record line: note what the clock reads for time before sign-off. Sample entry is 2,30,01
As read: 3,32,41
